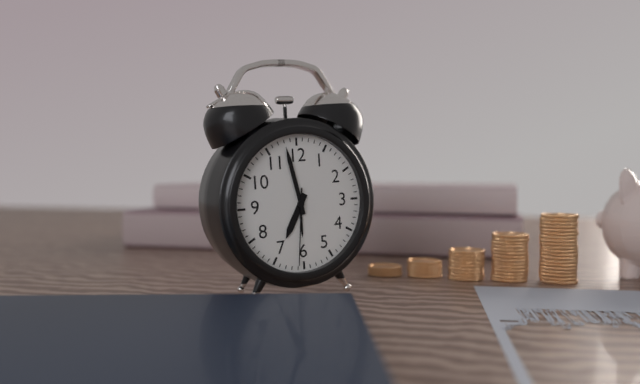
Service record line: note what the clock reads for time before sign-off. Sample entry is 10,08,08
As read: 6,58,31
